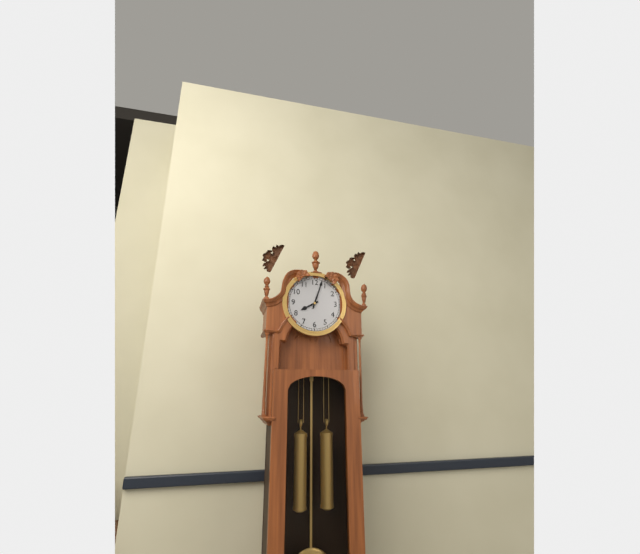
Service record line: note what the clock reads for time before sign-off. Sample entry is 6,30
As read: 8,03
